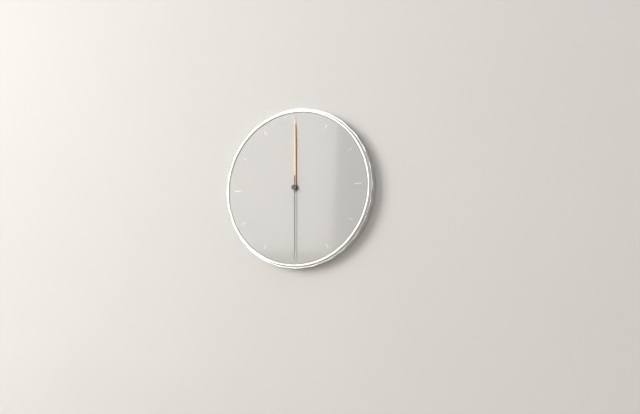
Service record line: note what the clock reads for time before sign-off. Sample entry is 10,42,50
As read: 12,00,30
